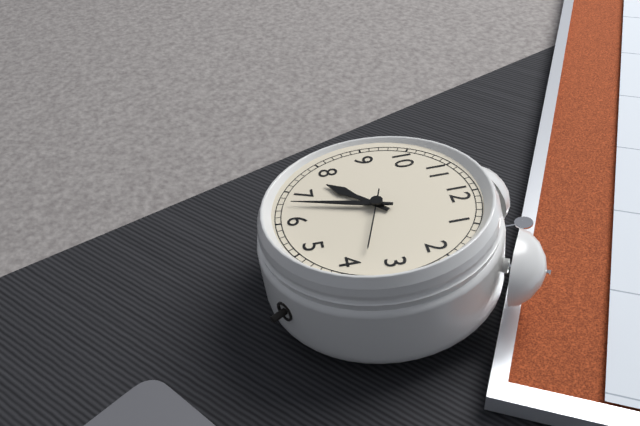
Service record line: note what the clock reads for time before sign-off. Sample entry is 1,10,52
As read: 7,33,18
